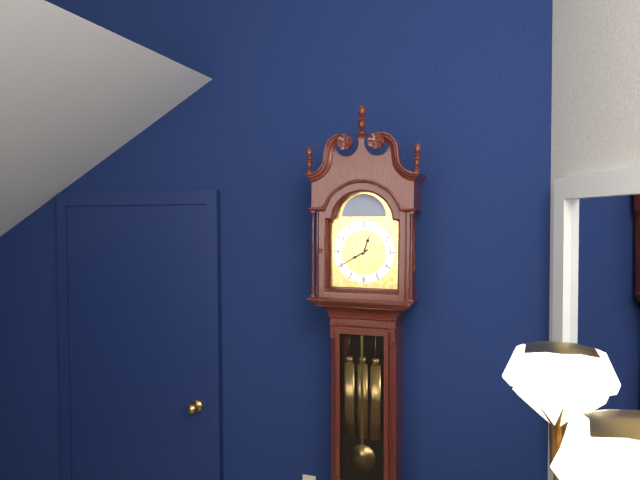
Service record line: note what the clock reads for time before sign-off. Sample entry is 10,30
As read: 12,40
